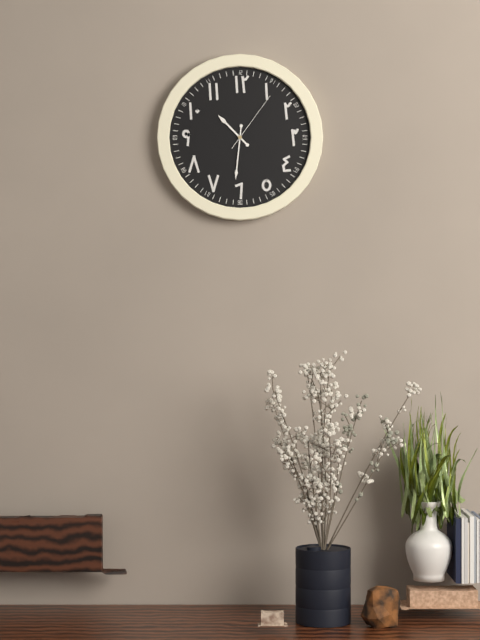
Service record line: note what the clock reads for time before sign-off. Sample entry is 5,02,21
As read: 10,31,06
